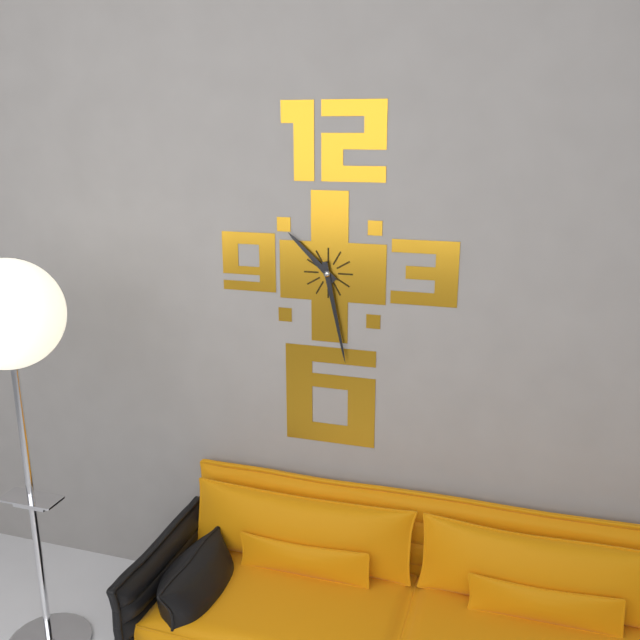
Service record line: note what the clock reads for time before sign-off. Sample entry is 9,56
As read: 10,28
